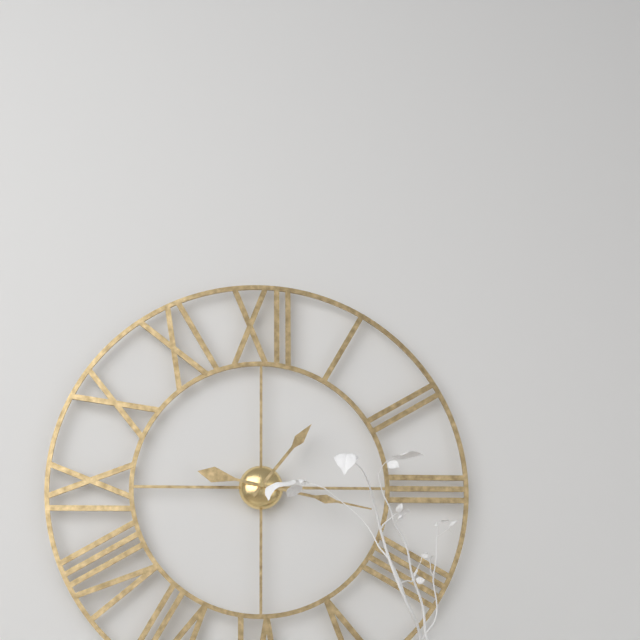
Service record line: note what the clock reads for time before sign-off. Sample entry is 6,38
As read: 1,17
